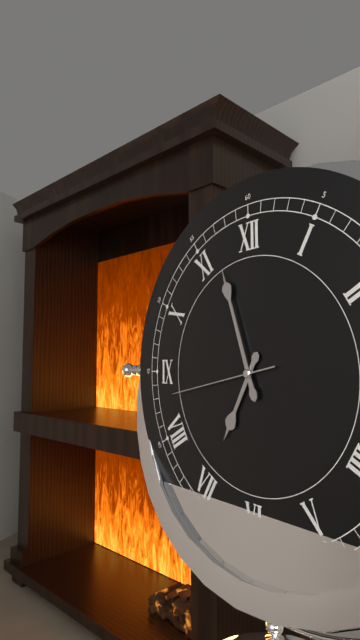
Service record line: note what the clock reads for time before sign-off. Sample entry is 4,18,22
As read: 6,57,43
